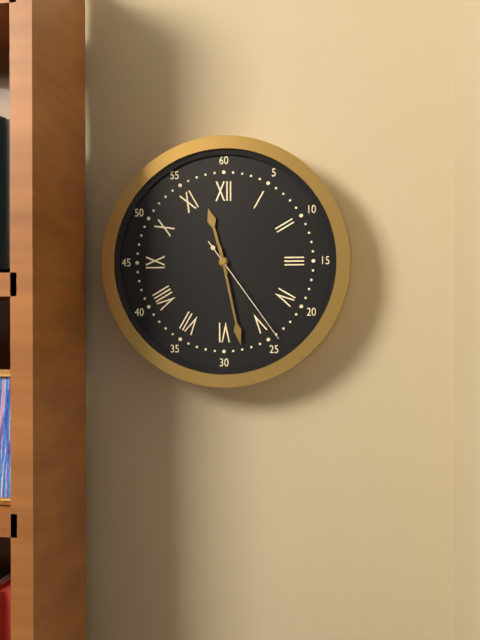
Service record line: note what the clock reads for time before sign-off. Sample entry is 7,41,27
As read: 11,28,24
